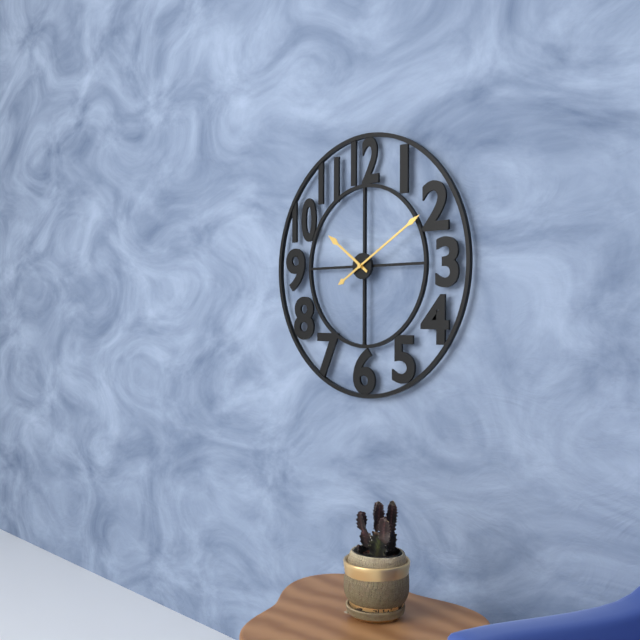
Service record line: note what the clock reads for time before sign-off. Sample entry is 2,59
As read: 10,10
